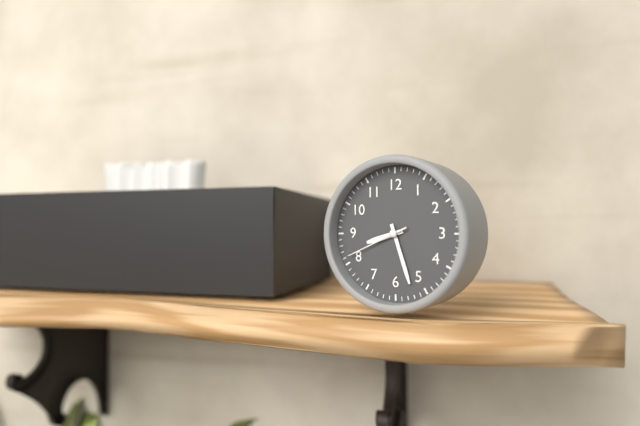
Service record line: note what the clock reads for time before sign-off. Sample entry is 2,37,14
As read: 8,27,41
